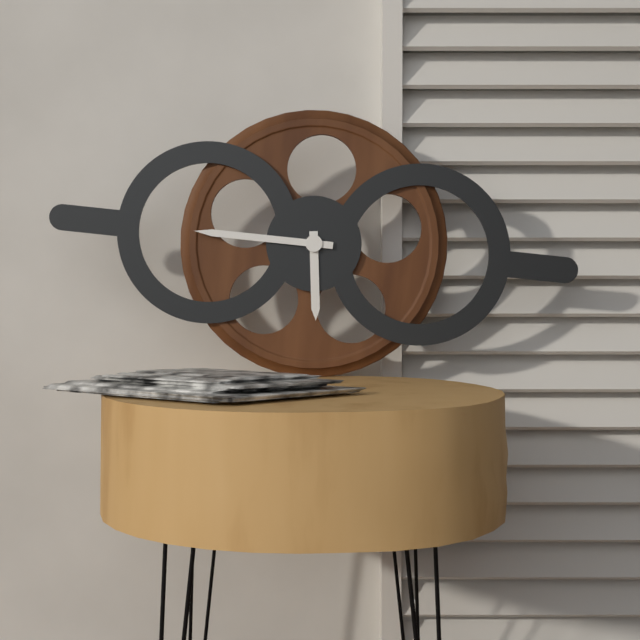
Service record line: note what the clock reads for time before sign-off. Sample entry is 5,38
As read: 5,45
